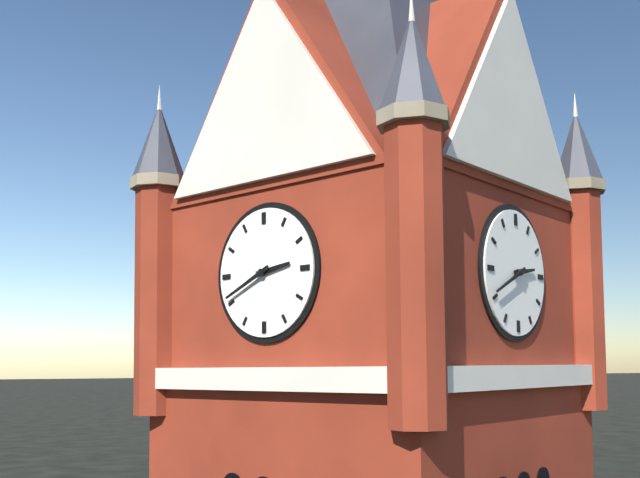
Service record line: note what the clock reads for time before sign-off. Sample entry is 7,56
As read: 2,41
